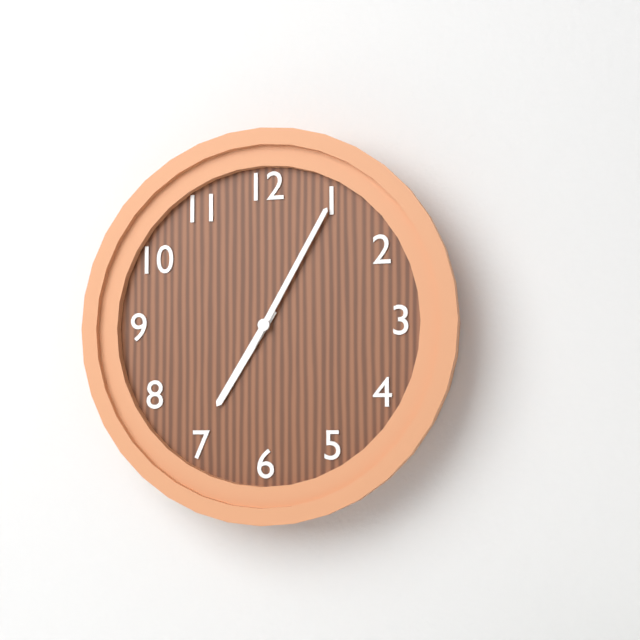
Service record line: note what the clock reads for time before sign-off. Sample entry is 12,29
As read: 7,05
